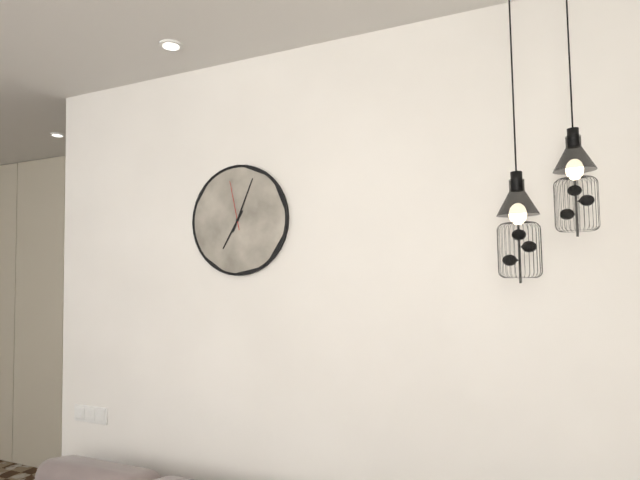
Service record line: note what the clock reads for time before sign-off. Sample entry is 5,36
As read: 7,04
